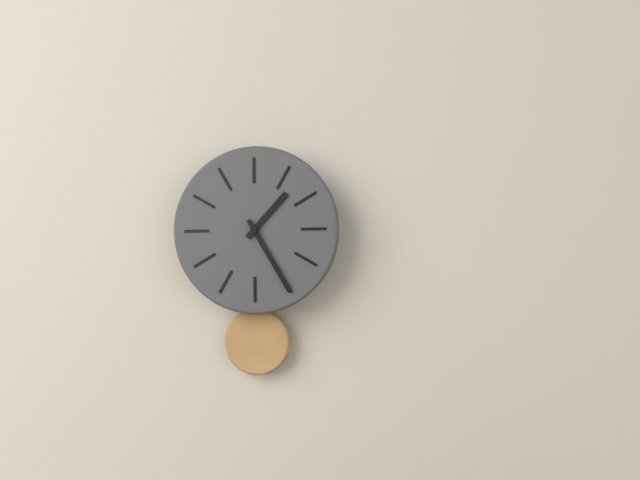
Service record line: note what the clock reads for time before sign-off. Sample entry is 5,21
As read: 1,25
